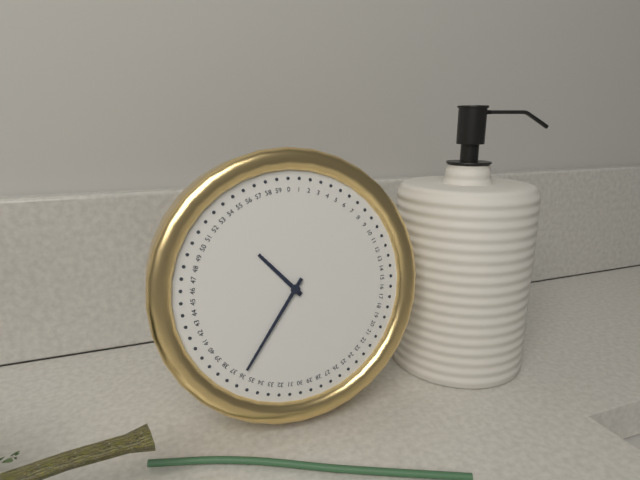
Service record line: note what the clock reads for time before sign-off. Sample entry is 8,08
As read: 10,36
